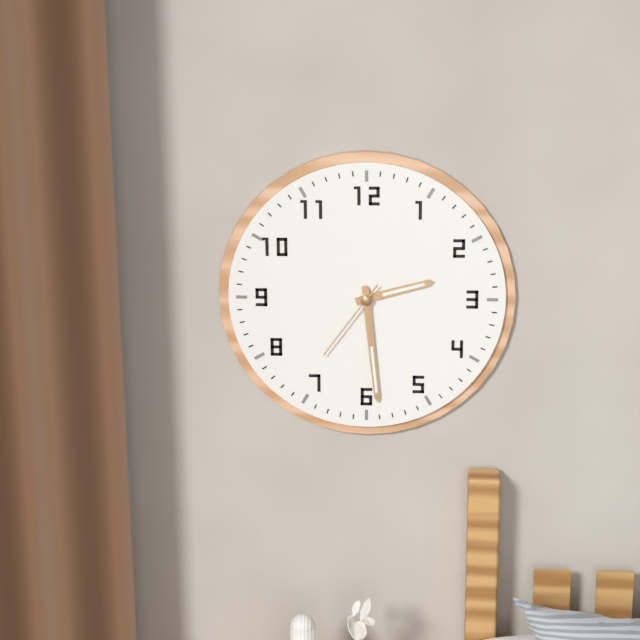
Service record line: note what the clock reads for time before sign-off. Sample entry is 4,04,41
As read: 2,29,36
